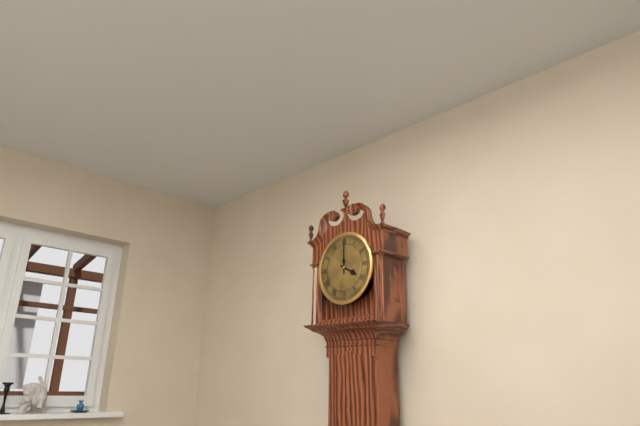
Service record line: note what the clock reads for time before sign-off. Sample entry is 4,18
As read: 4,00
